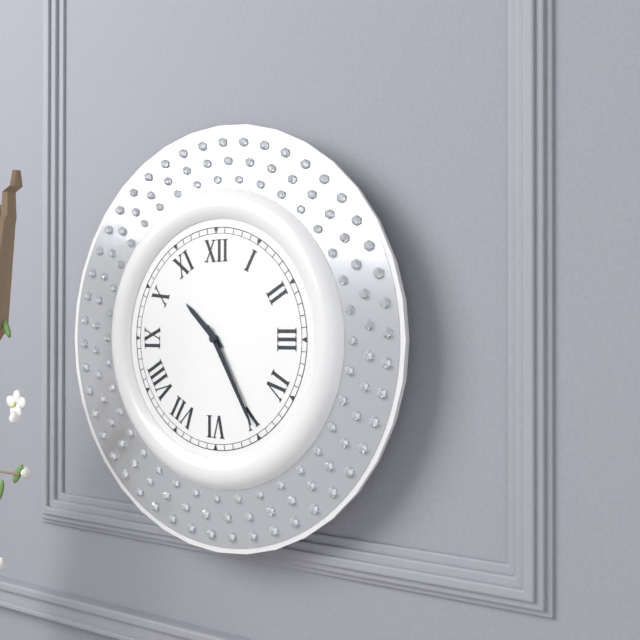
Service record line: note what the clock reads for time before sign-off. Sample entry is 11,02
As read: 10,25
